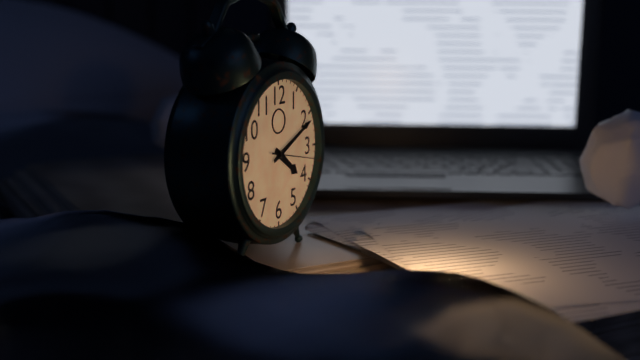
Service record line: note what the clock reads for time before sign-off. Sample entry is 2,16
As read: 4,11
